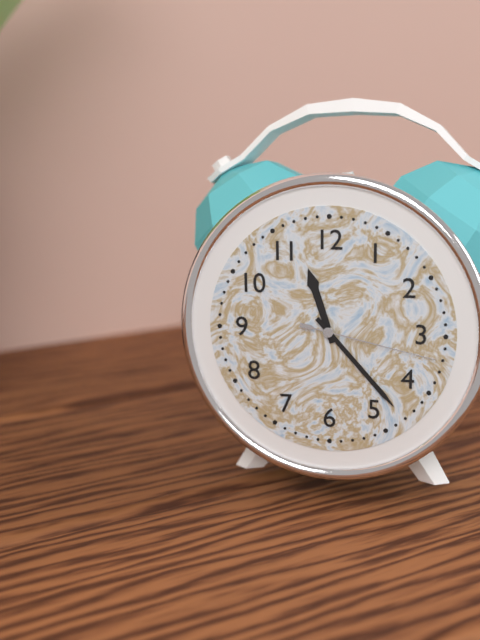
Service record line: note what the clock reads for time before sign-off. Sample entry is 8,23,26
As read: 11,23,17
